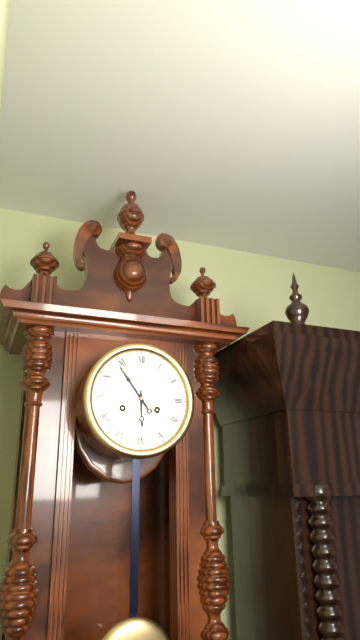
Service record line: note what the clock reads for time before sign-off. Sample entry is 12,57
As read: 5,54
